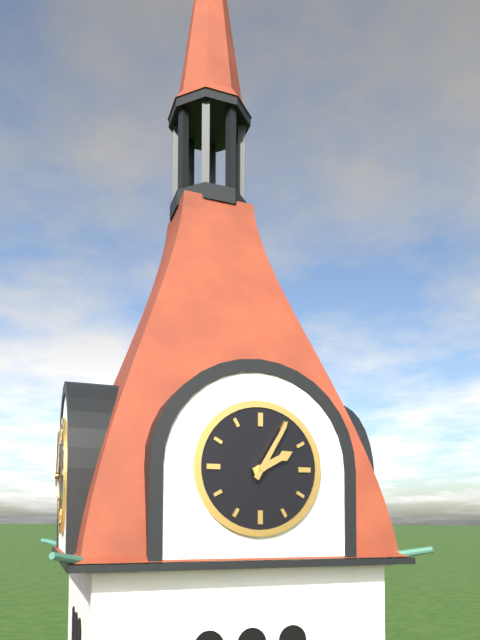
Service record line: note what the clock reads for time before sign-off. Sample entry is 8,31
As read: 2,05
